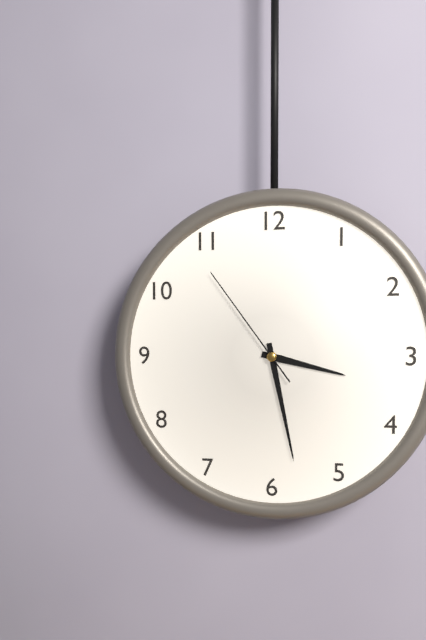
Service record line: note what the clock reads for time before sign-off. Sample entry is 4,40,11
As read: 3,28,54
